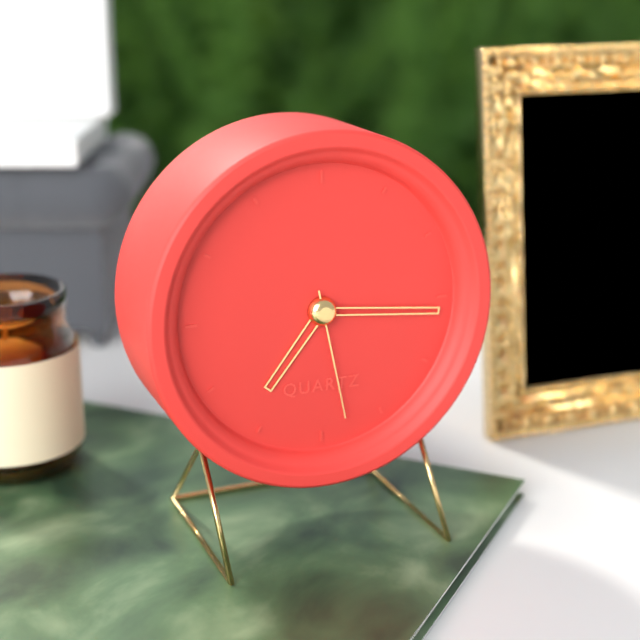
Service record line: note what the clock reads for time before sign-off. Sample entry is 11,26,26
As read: 7,16,28
